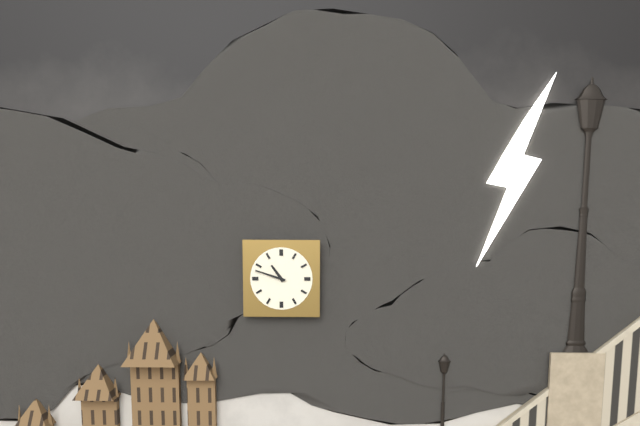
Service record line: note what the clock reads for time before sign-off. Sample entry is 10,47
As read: 10,48
